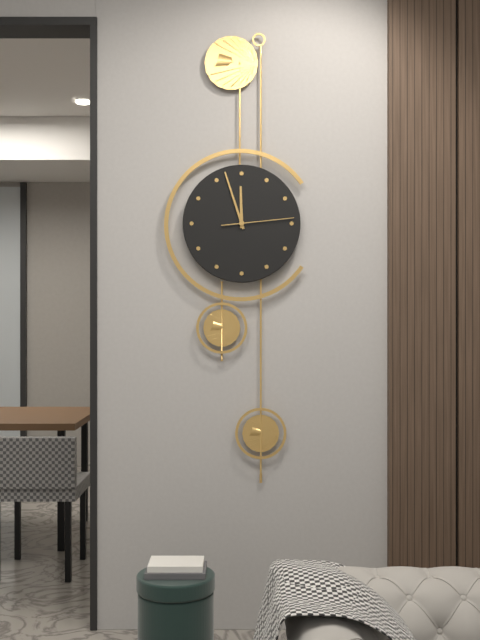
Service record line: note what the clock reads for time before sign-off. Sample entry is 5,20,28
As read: 11,57,14
